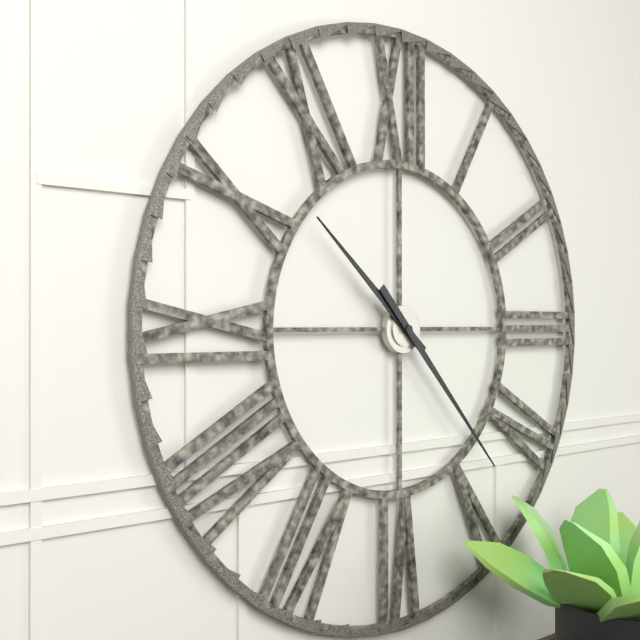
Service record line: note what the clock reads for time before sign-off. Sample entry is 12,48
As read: 10,23
